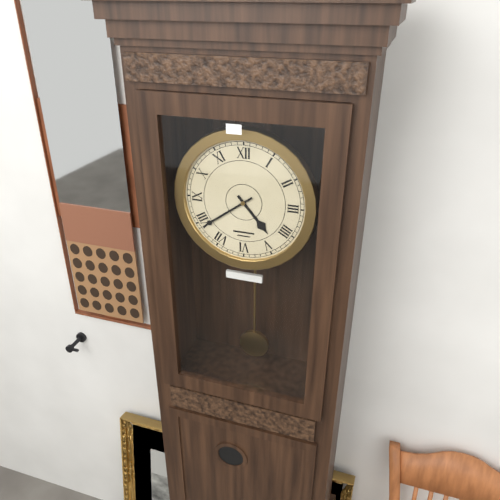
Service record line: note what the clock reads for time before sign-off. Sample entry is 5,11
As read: 4,39
